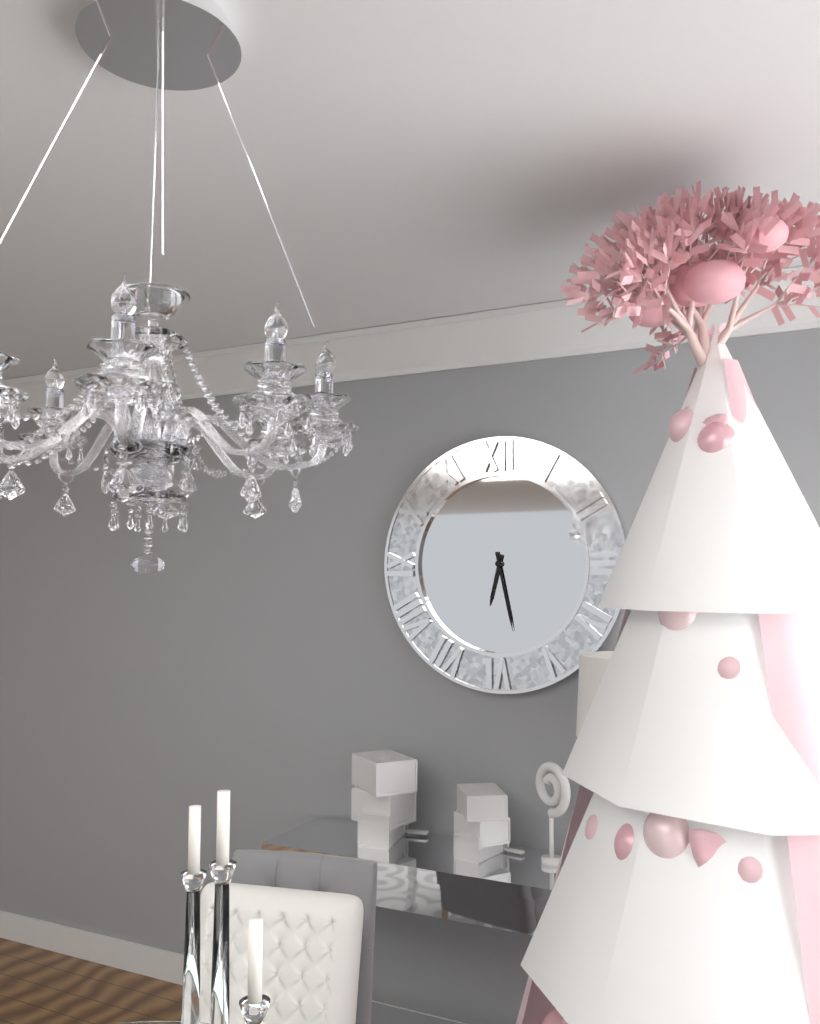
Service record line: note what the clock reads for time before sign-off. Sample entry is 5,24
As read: 6,28
